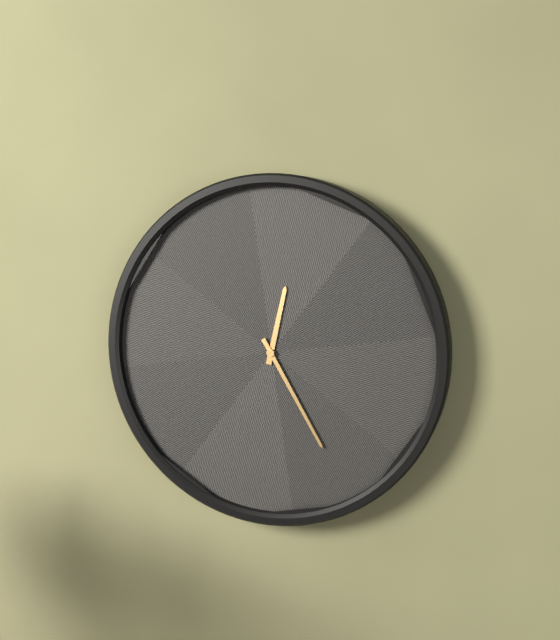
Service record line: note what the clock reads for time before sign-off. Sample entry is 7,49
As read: 12,25
